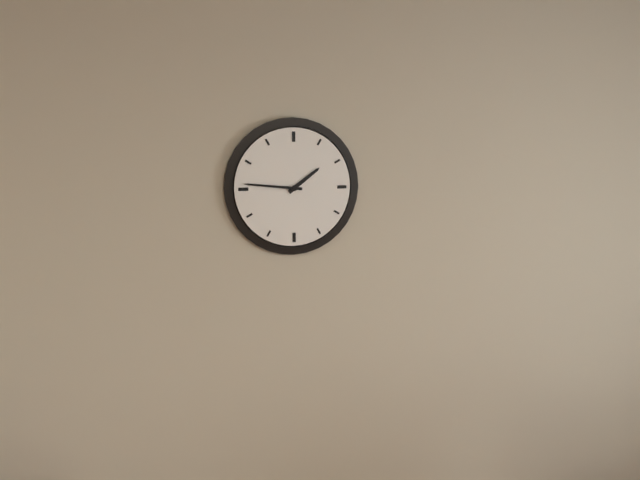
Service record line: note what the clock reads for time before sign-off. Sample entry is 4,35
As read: 1,46
